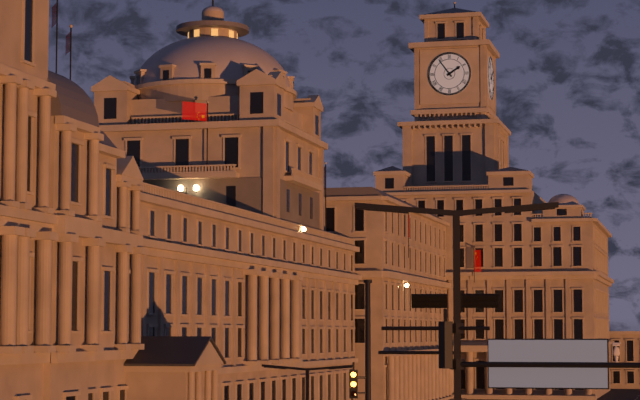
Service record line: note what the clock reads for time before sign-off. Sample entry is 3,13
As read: 1,54
